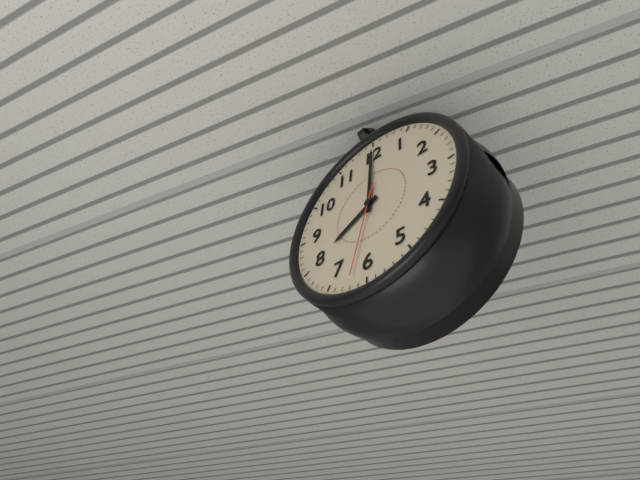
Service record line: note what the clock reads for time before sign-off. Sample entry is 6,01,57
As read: 8,00,32
